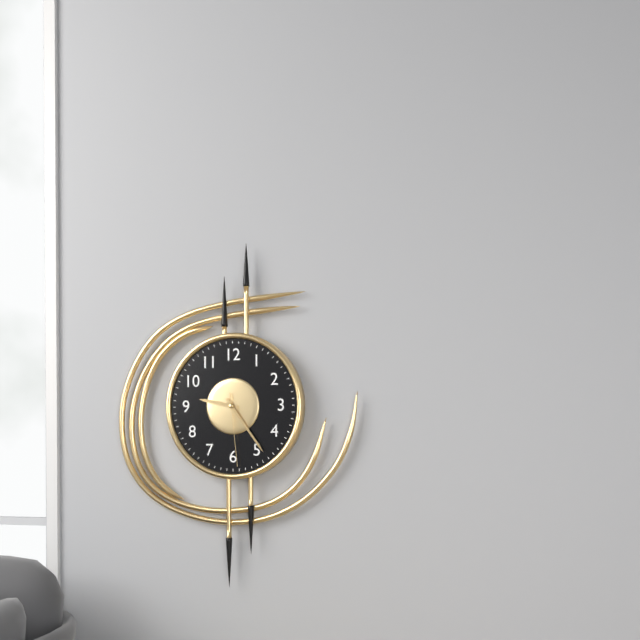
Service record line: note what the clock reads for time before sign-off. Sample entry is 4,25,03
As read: 9,24,29
